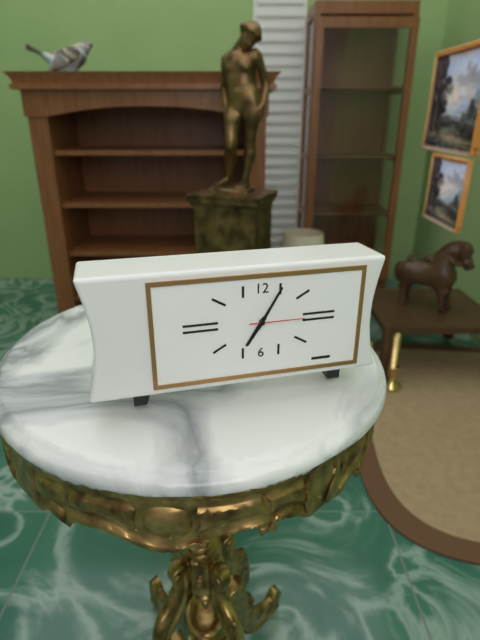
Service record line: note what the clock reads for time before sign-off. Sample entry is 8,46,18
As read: 7,05,15
